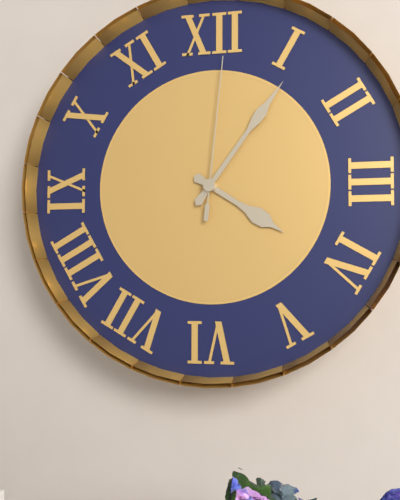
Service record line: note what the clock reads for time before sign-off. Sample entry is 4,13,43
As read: 4,06,01
